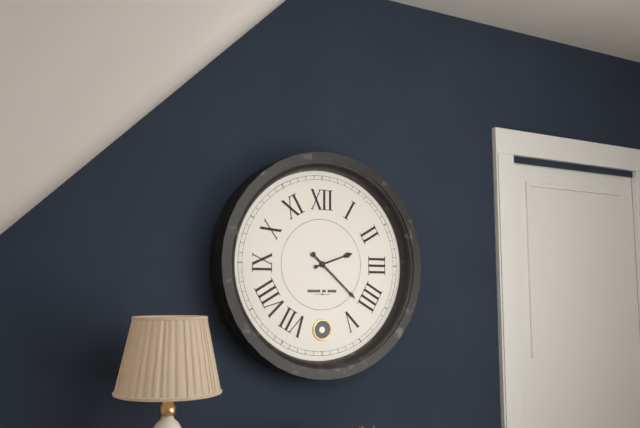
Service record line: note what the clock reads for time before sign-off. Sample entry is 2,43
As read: 2,22
